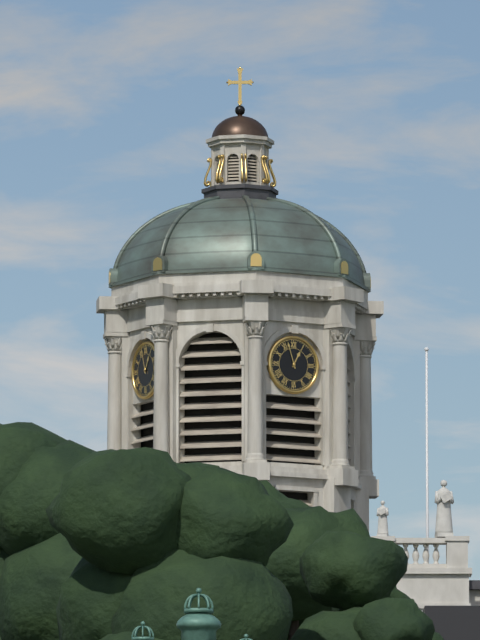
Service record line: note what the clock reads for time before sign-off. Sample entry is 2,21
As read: 12,57
